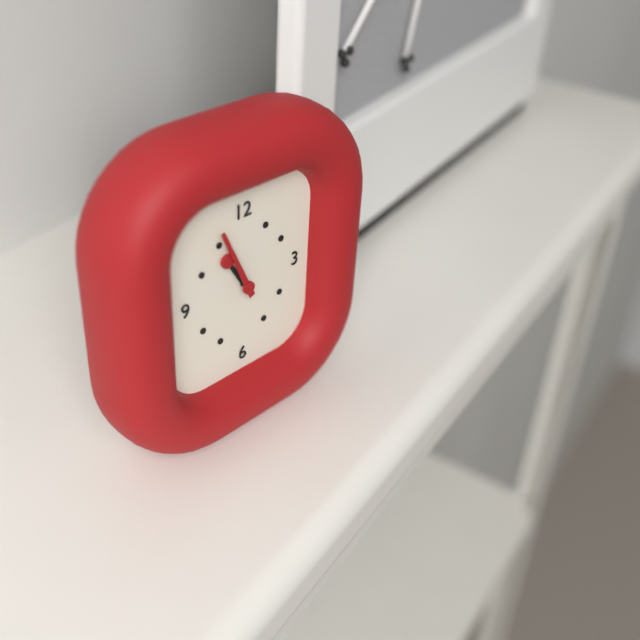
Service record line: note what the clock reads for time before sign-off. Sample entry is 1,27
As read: 10,56
